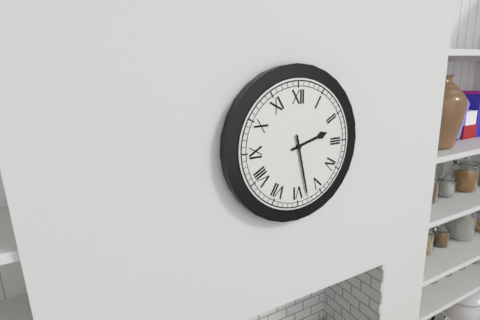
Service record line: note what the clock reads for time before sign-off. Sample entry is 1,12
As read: 2,28
